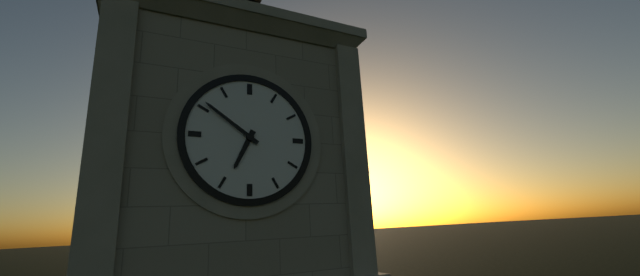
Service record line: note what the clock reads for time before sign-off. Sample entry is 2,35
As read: 6,51
